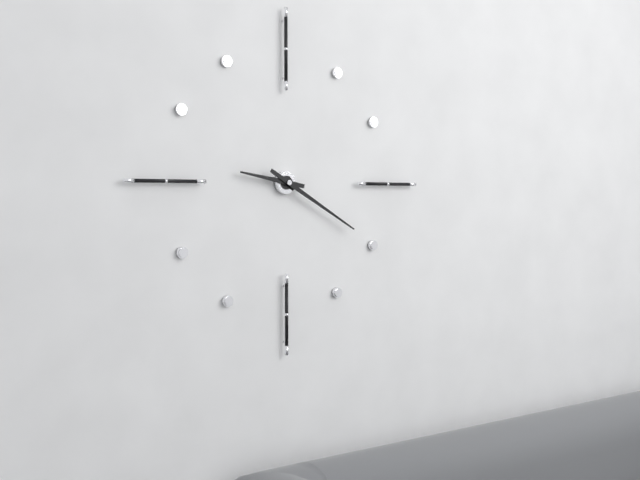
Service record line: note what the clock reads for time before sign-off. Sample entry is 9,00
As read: 9,20
